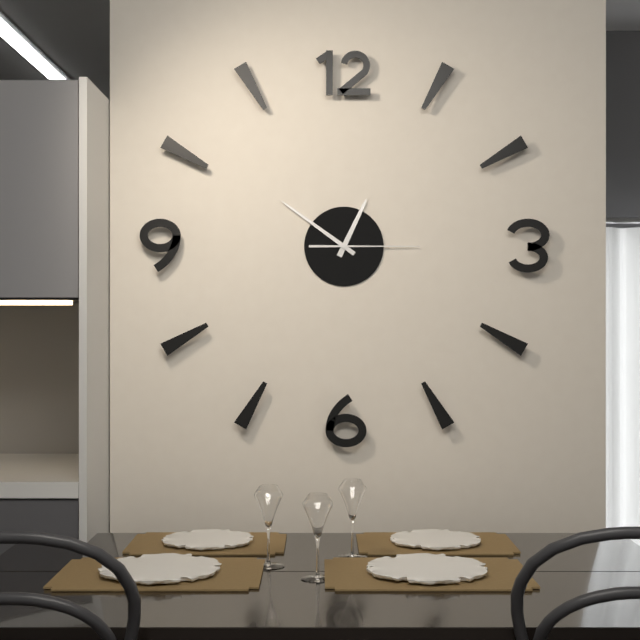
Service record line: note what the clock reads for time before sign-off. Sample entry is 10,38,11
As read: 12,51,15
